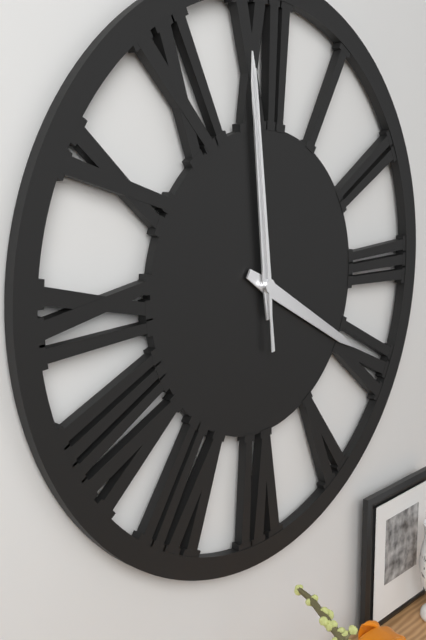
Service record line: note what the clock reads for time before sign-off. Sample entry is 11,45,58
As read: 3,59,59
